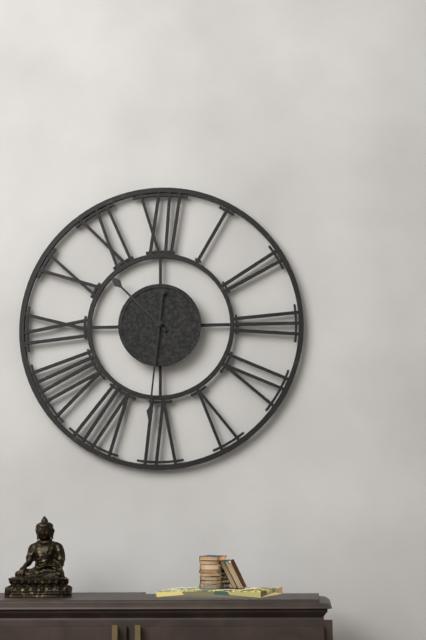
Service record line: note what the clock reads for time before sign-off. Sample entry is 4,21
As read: 10,31
